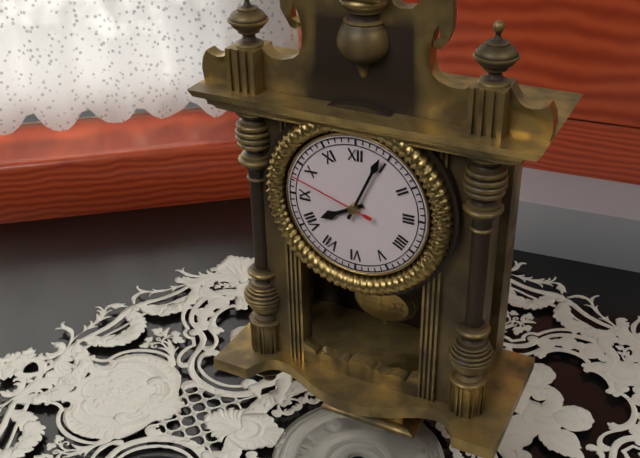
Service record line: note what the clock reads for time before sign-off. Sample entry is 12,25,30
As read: 8,04,48
